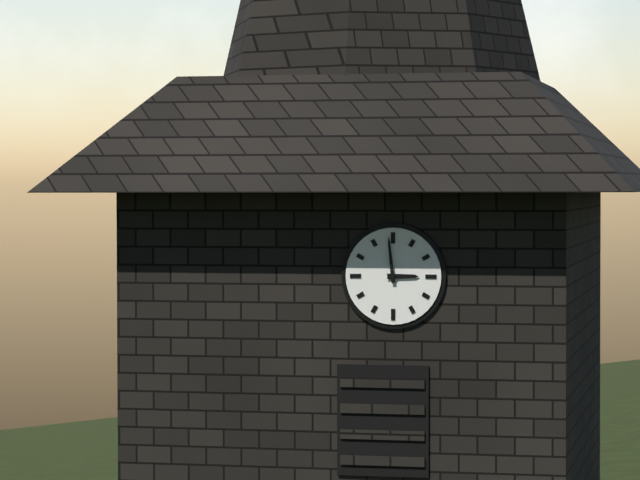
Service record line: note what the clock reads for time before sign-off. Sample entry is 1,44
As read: 2,59
